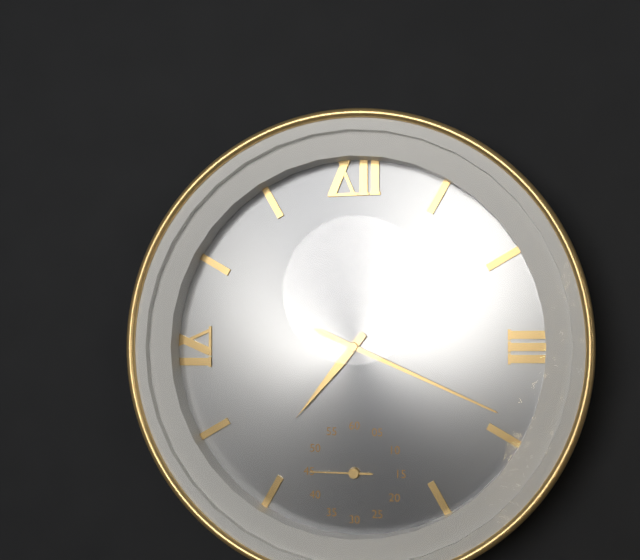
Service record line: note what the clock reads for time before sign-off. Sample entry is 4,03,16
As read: 7,19,45
